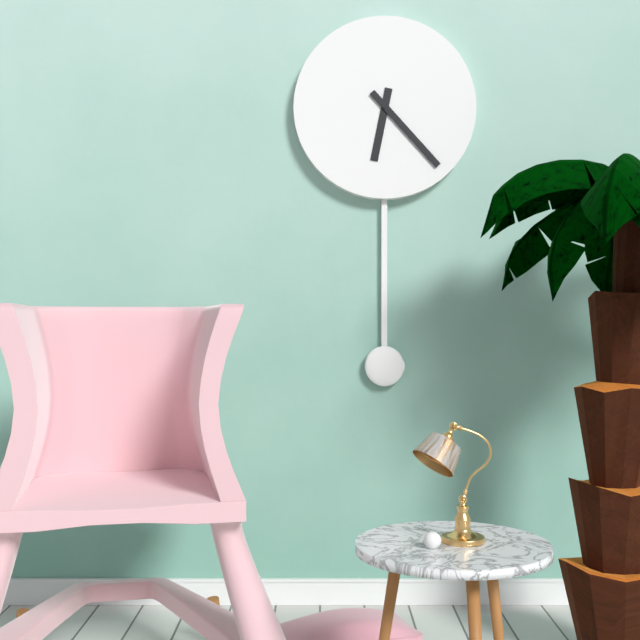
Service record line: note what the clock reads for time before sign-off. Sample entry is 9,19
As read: 6,23
